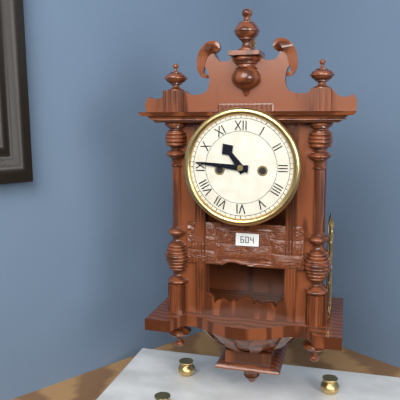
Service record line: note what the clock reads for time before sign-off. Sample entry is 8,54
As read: 10,46
